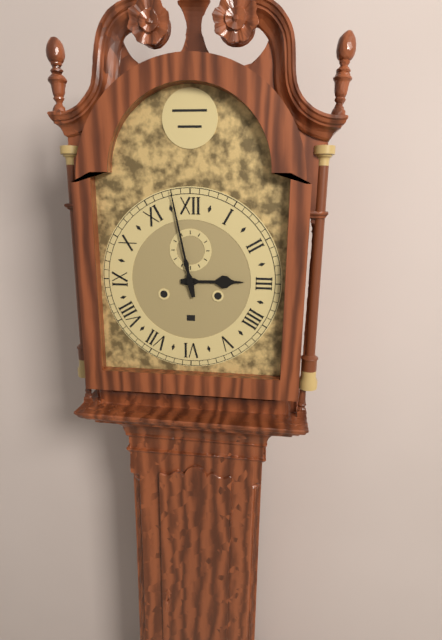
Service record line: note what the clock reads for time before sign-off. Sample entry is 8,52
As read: 2,58
